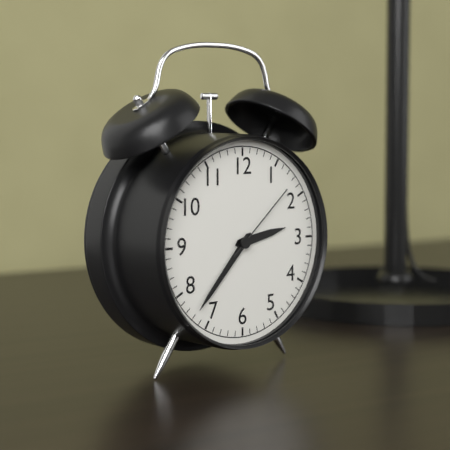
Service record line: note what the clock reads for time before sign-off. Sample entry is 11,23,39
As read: 2,37,08
